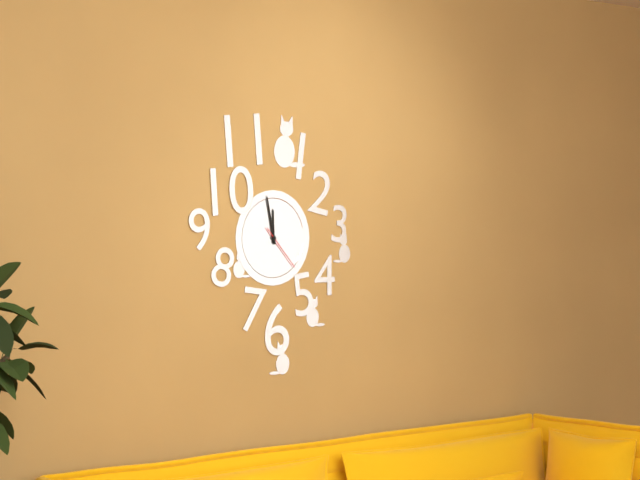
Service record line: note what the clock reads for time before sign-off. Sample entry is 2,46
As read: 11,58
